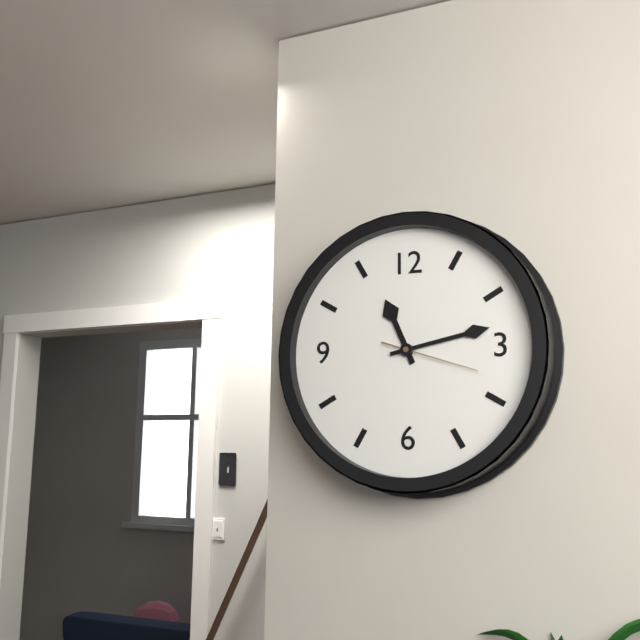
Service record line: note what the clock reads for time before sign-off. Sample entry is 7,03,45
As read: 11,13,18
